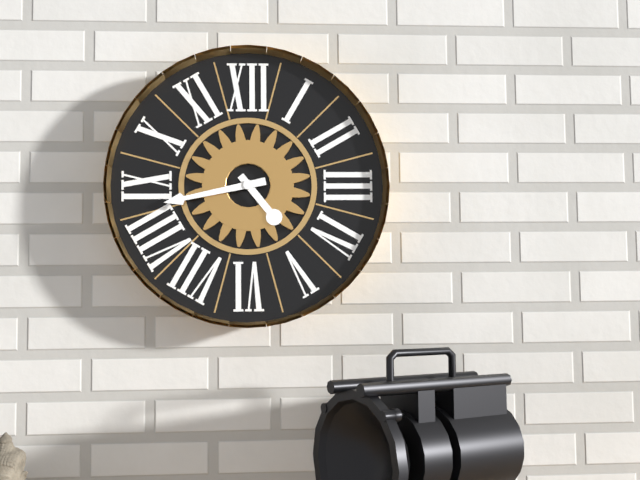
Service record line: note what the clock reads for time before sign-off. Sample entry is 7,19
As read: 4,43
